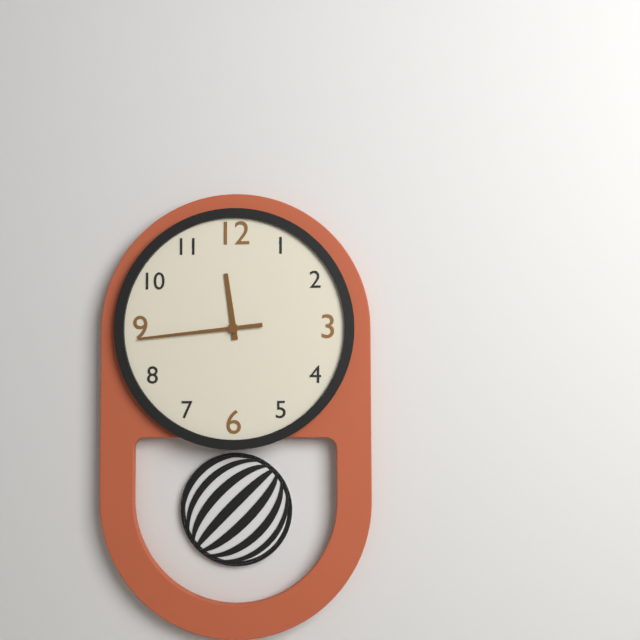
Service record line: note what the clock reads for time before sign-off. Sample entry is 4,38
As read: 11,44
